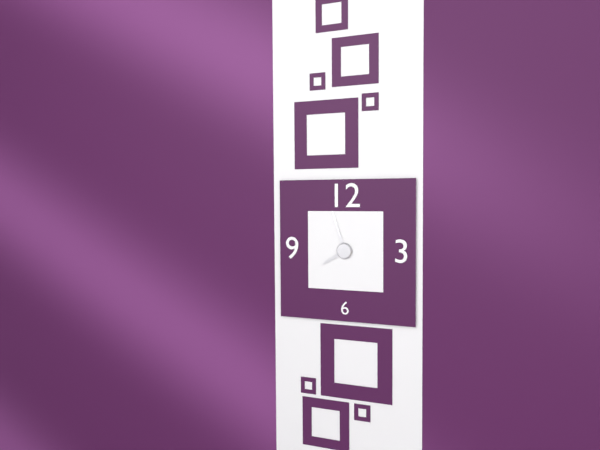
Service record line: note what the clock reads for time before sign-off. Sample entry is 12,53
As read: 7,57
